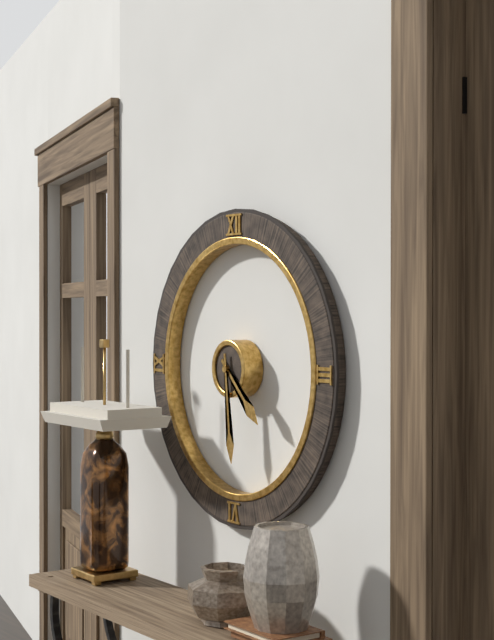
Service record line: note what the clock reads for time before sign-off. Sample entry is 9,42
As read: 4,29
